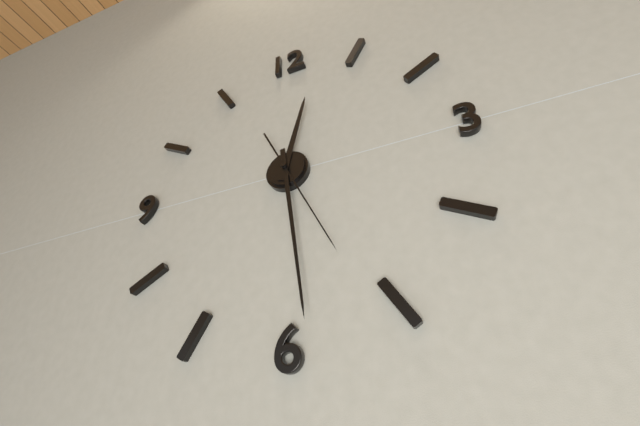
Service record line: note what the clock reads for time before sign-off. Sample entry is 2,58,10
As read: 12,29,26
